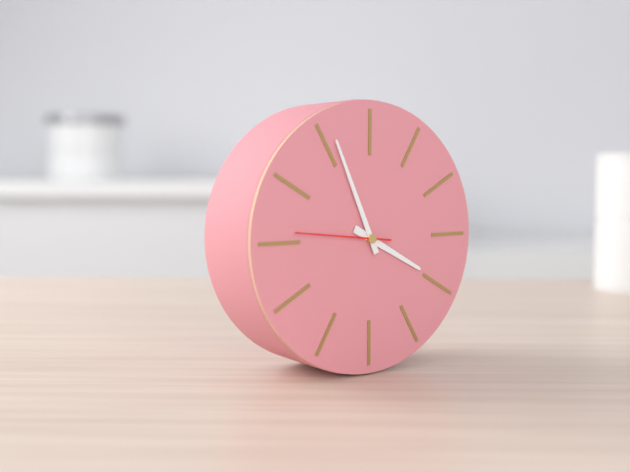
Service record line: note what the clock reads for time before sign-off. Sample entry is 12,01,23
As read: 3,56,46
